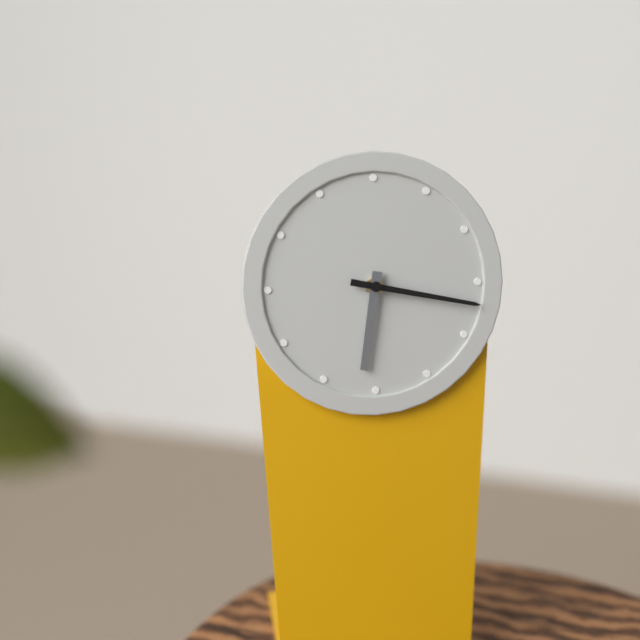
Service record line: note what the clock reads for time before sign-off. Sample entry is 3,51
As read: 6,17
